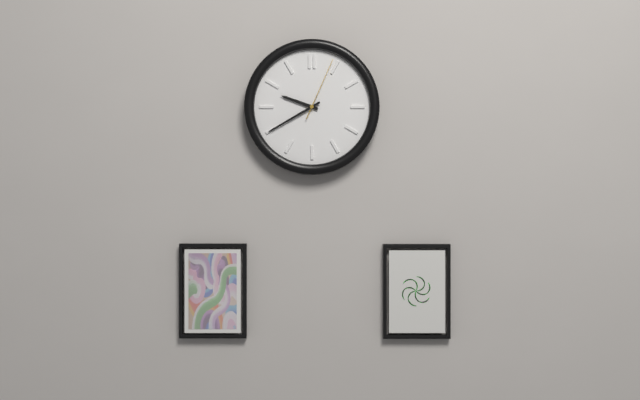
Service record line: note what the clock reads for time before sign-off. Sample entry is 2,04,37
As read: 9,40,04
